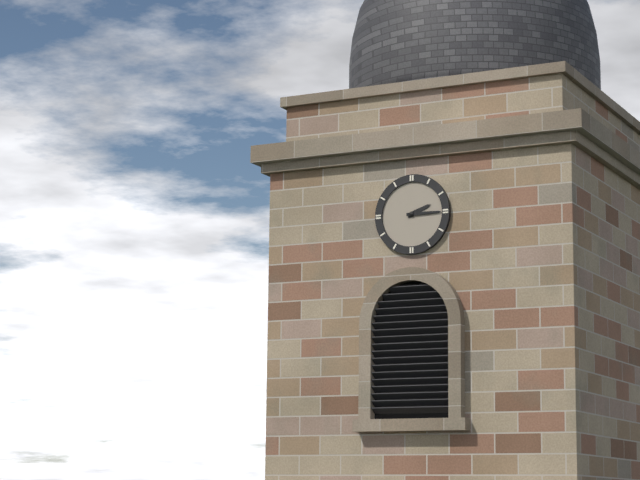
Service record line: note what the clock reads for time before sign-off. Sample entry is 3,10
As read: 2,15
